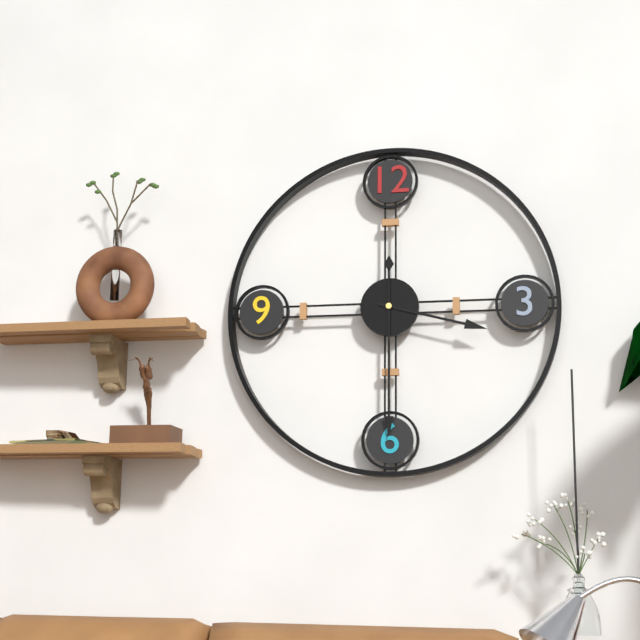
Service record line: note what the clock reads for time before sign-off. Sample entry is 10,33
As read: 3,30
